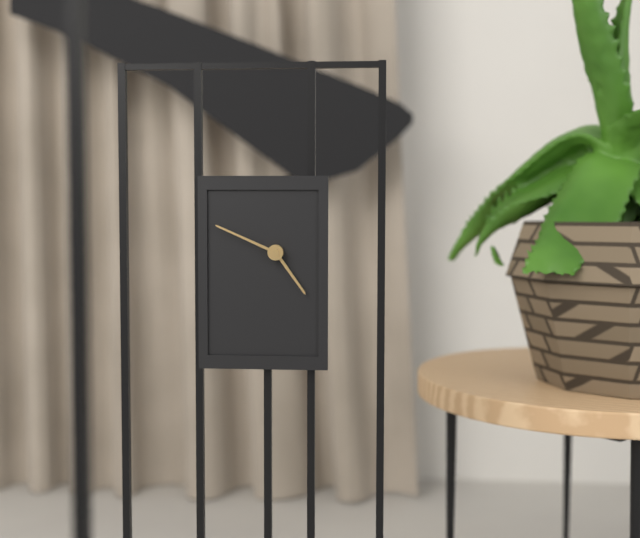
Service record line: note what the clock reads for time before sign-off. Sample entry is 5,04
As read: 4,49
